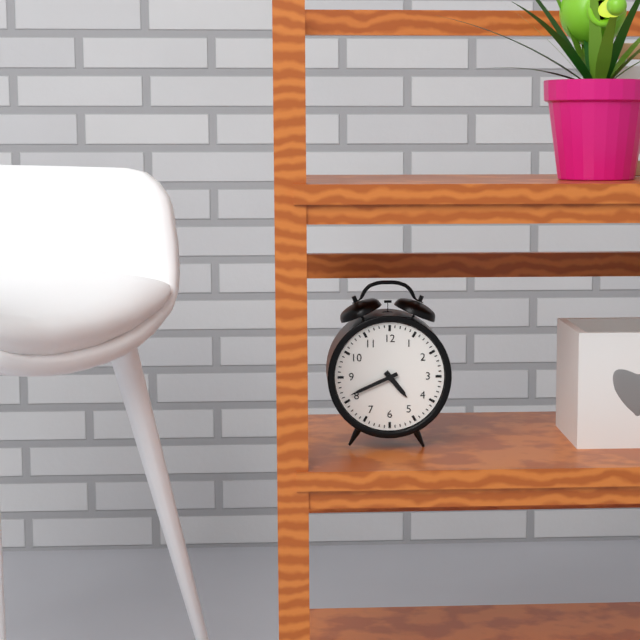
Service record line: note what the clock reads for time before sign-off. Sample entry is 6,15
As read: 4,41
